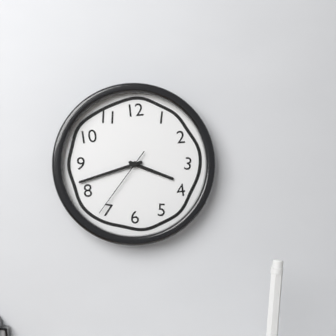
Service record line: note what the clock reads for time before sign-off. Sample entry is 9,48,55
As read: 3,42,36
